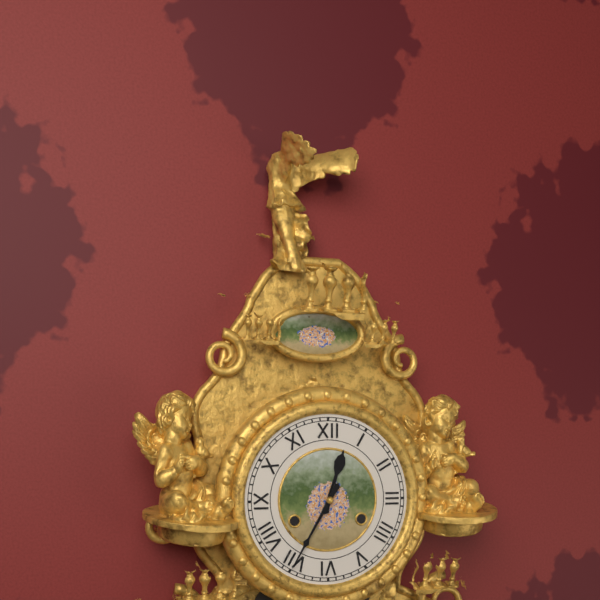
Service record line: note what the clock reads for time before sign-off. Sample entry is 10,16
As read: 12,35
